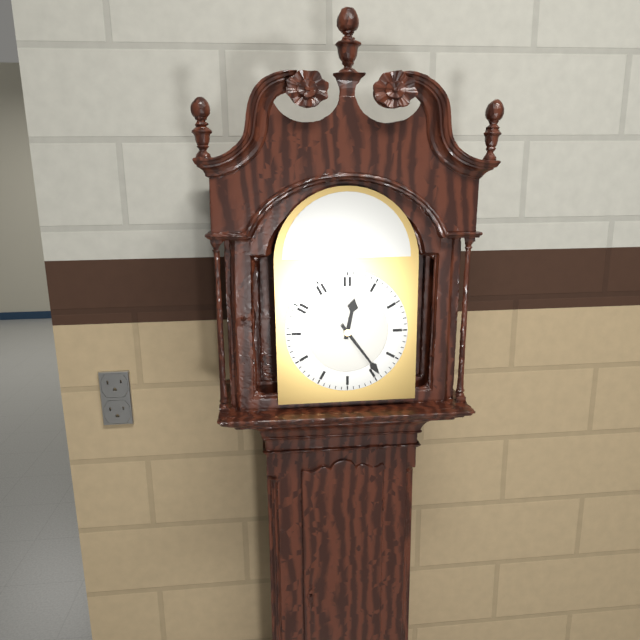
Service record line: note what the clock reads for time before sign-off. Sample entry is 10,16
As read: 12,24
